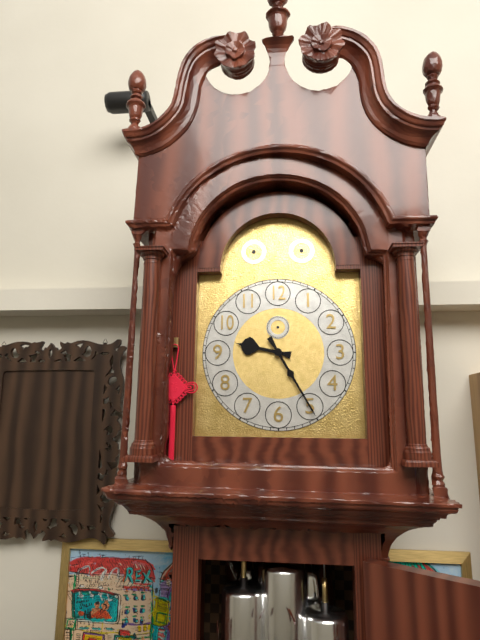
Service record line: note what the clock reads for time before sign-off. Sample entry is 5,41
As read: 9,25
